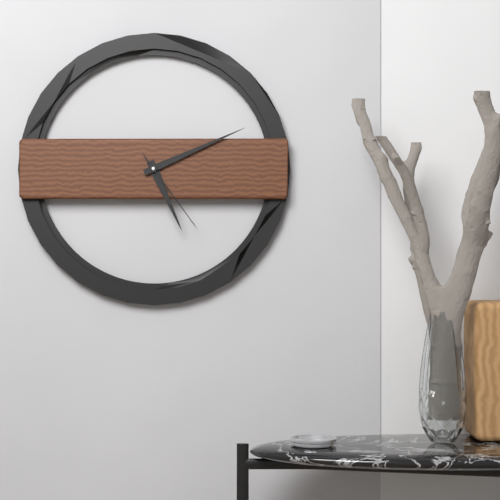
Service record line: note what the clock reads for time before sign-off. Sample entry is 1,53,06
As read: 5,11,24
